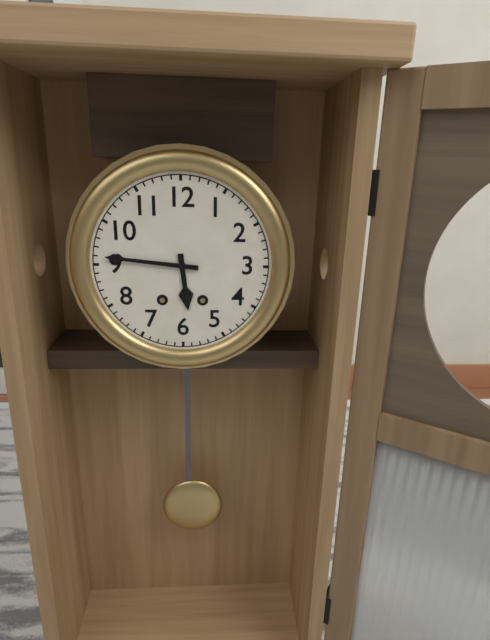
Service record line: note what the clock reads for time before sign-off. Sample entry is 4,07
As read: 5,46
